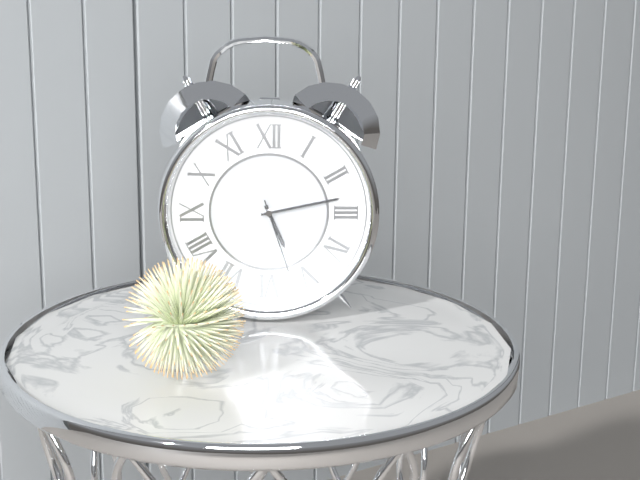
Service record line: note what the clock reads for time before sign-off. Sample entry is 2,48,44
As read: 5,13,27
